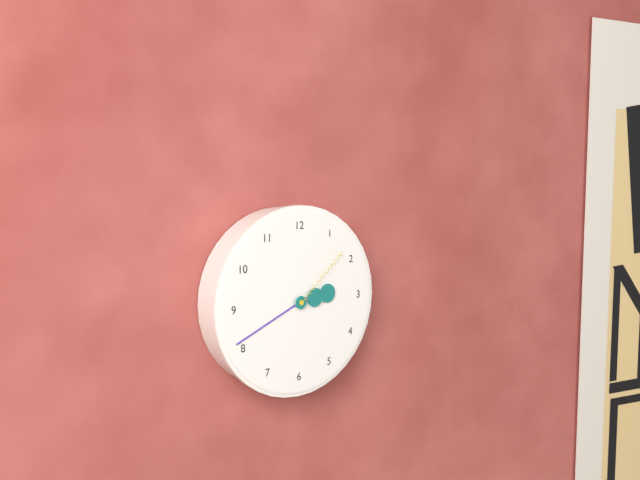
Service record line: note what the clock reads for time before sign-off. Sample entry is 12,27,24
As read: 2,41,08
